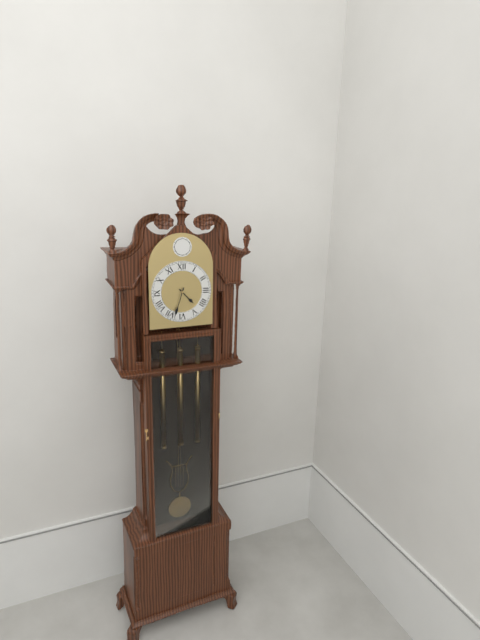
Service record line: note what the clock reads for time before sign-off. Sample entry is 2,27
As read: 4,33
